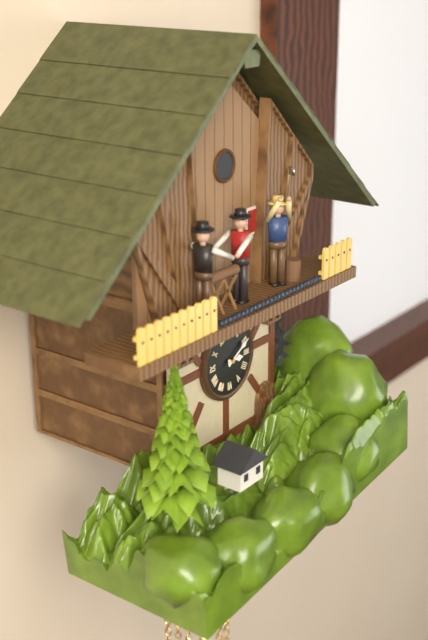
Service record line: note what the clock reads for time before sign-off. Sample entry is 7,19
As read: 3,10
